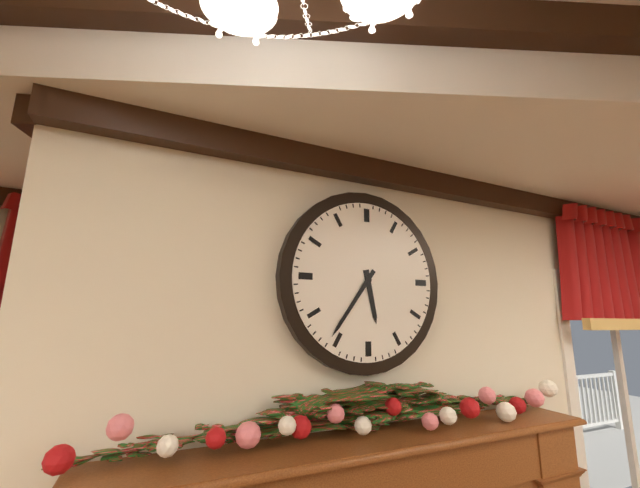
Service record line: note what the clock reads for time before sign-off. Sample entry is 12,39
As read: 5,36
